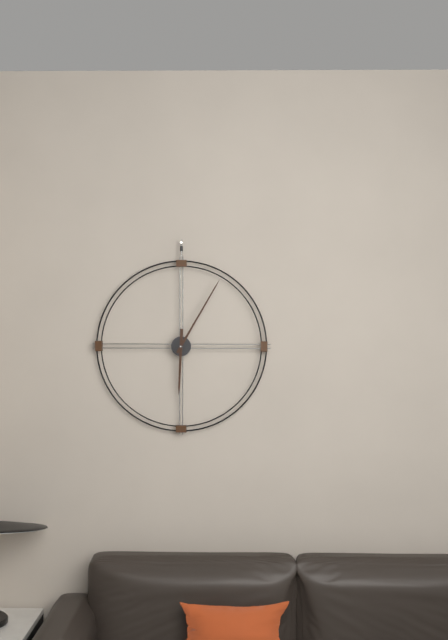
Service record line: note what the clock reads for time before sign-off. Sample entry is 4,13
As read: 6,05
